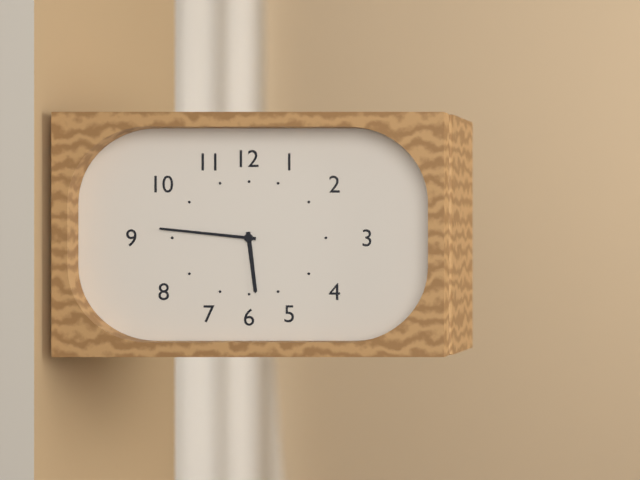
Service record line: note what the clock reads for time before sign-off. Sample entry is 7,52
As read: 5,46
